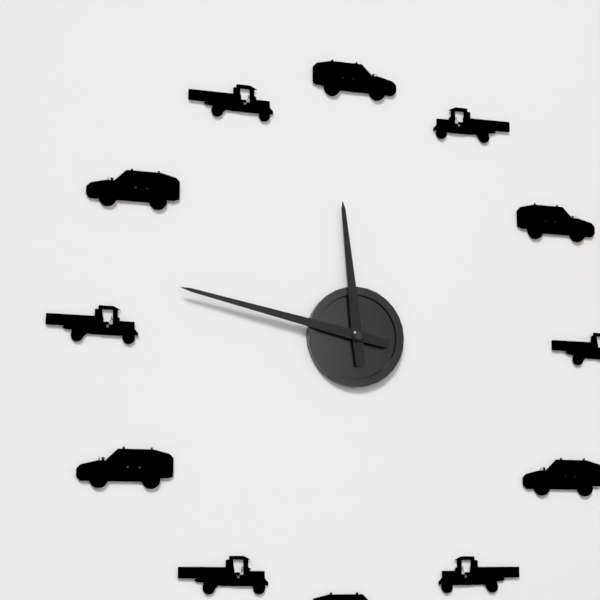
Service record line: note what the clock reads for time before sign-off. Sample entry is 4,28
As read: 11,47
